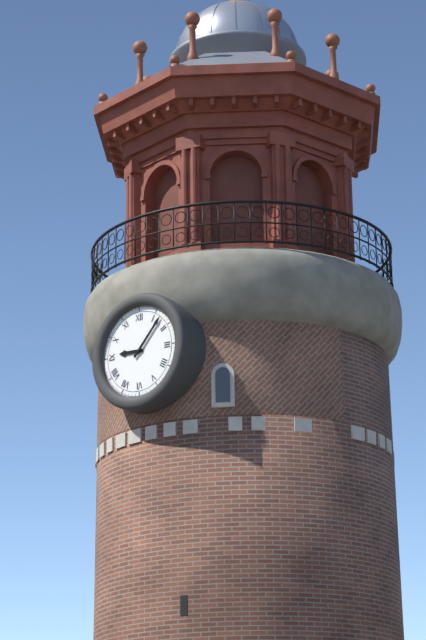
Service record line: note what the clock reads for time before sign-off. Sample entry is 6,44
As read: 9,07
